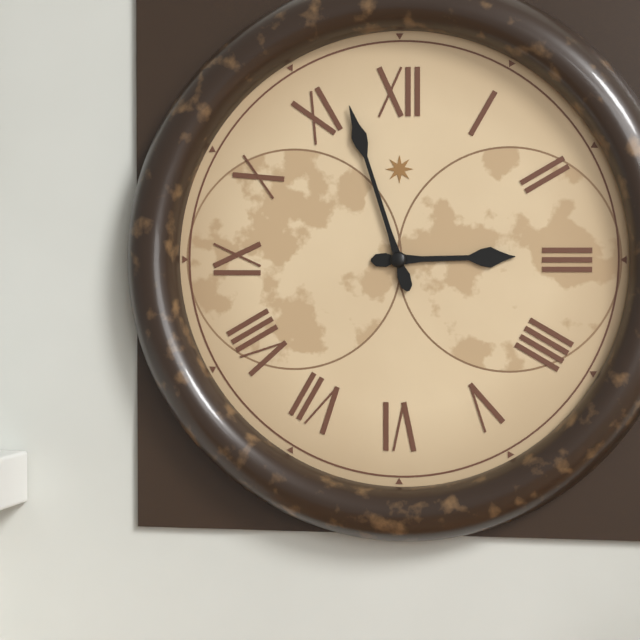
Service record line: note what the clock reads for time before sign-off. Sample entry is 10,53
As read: 2,57
